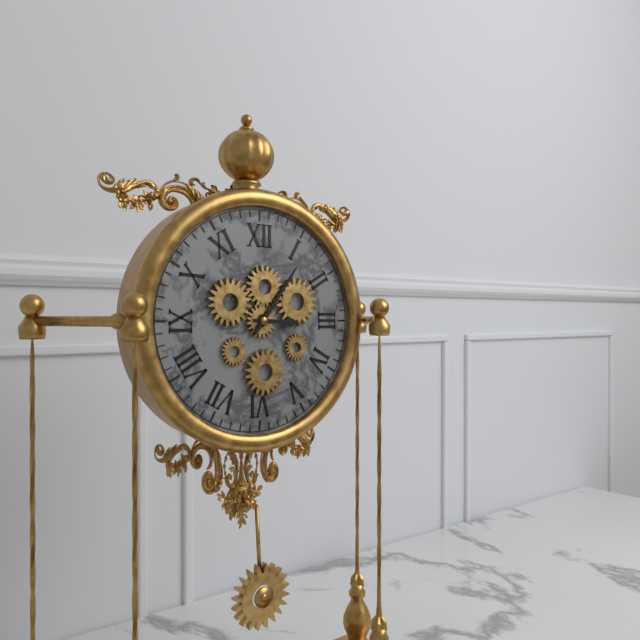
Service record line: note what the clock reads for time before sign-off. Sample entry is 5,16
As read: 3,06
